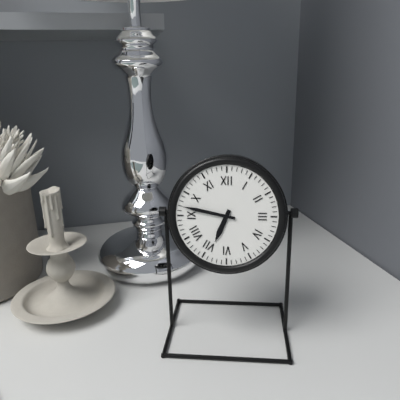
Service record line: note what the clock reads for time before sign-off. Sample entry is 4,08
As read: 6,47
